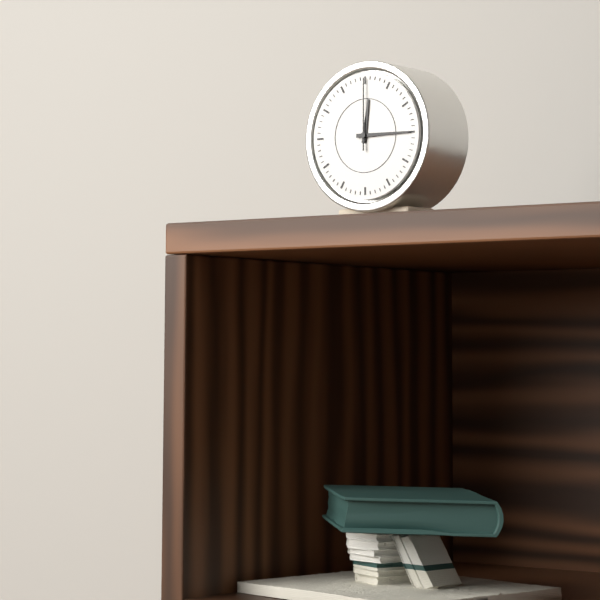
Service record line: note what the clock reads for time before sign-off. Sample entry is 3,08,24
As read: 12,15,00
